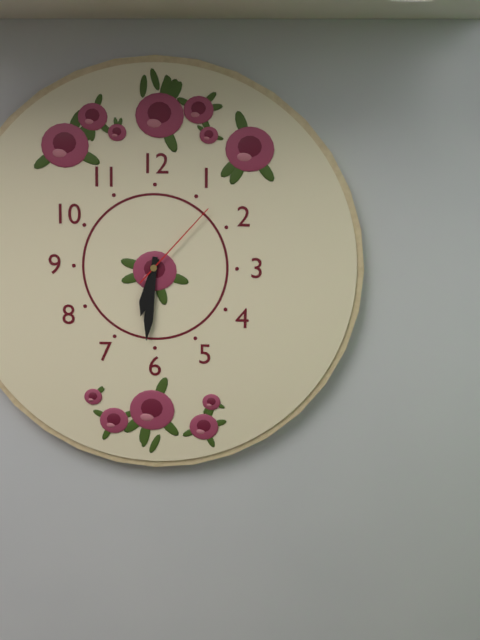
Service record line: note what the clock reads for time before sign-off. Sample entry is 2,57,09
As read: 6,31,07
